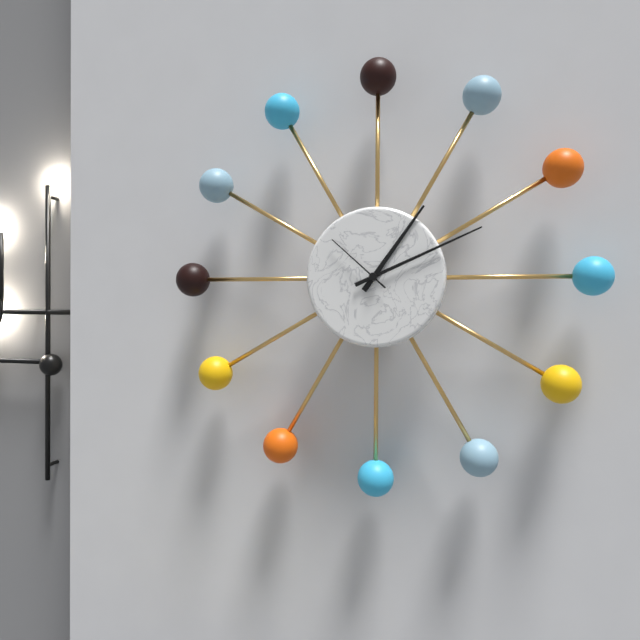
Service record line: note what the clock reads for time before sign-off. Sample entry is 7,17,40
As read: 1,11,52
